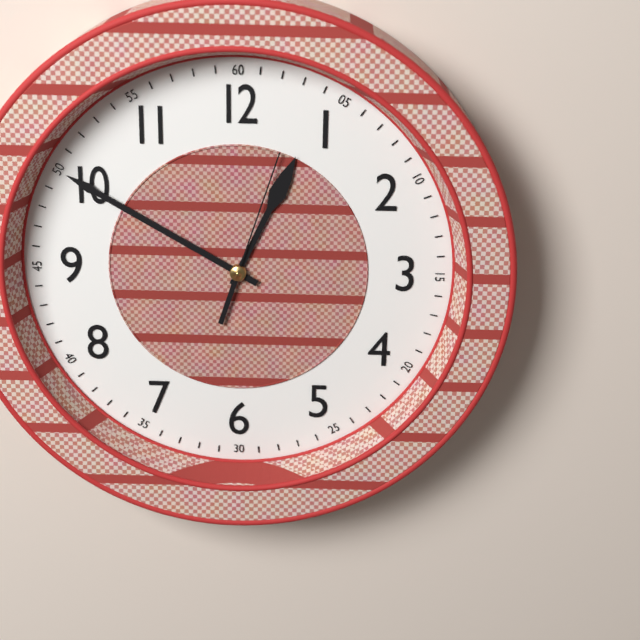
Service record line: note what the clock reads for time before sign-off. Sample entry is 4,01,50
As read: 12,50,03
